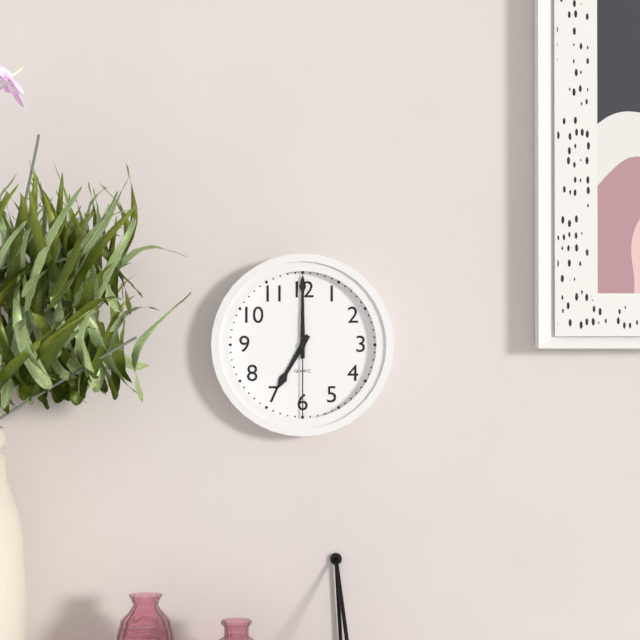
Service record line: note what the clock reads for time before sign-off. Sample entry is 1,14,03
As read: 7,00,30
